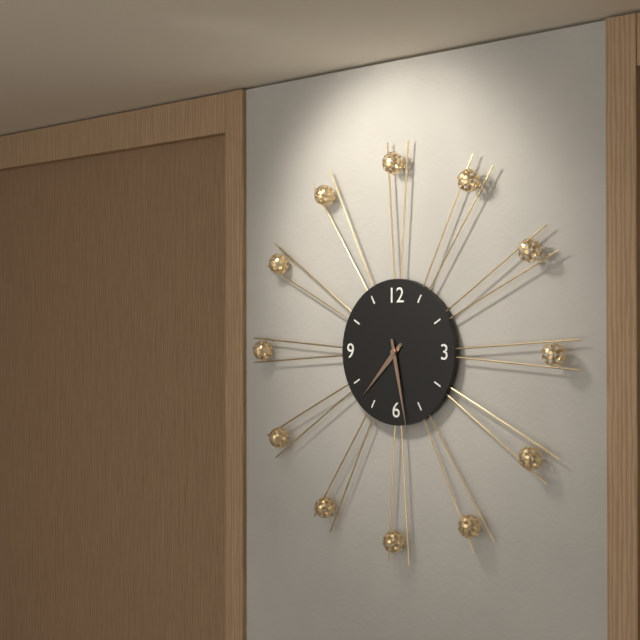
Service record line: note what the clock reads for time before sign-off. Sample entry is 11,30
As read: 7,28
